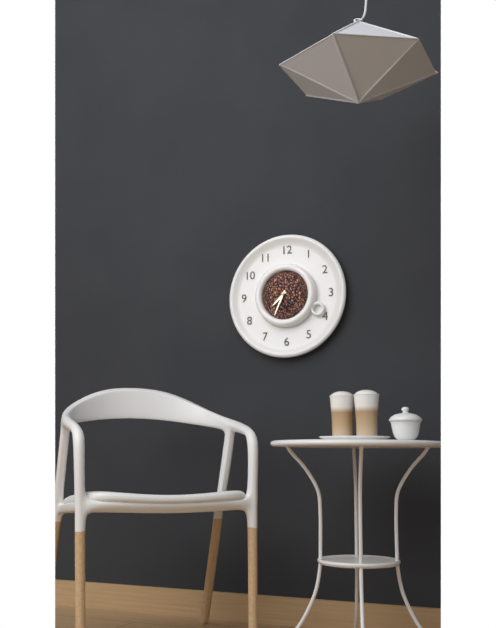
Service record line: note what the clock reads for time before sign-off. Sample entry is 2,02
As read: 7,34
